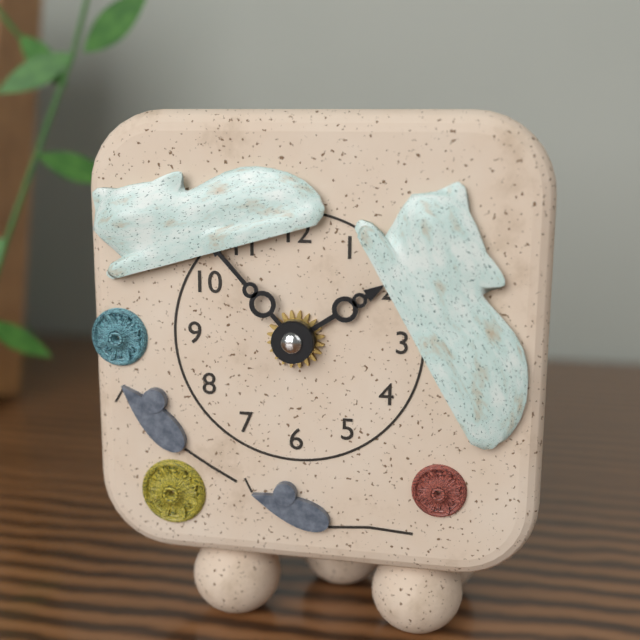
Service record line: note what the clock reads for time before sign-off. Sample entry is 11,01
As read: 1,53
